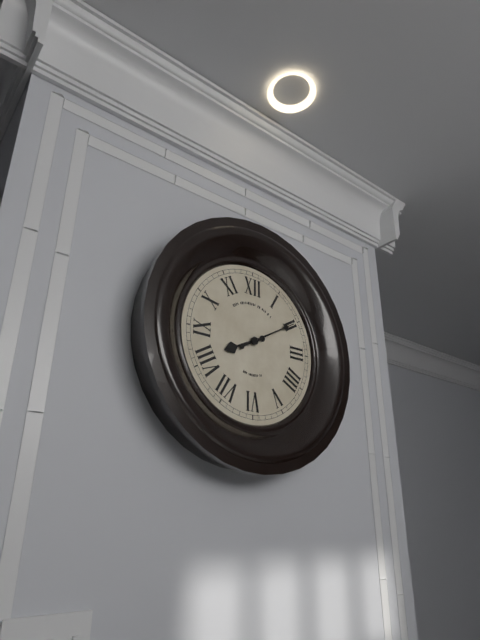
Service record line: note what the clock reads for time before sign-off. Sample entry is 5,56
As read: 8,10
